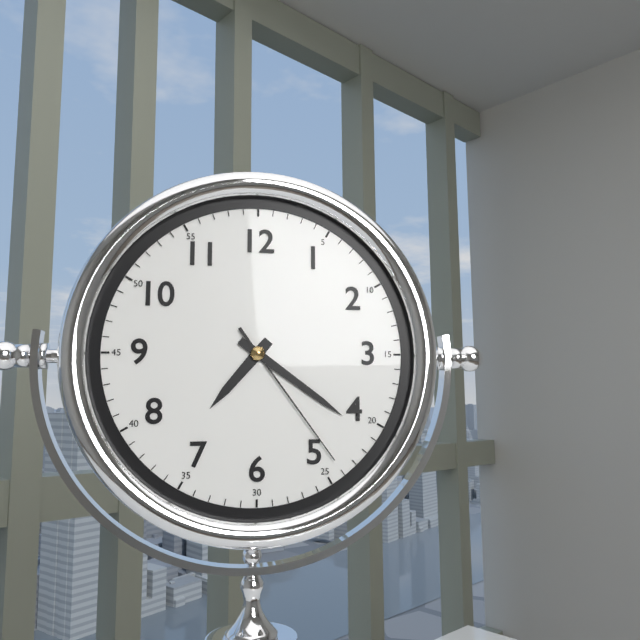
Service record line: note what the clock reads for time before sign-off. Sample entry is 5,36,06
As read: 7,21,24
